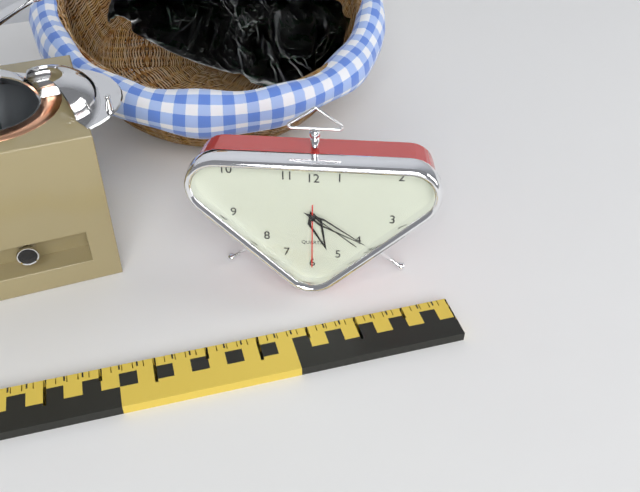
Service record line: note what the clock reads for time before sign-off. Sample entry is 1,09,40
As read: 5,20,30
